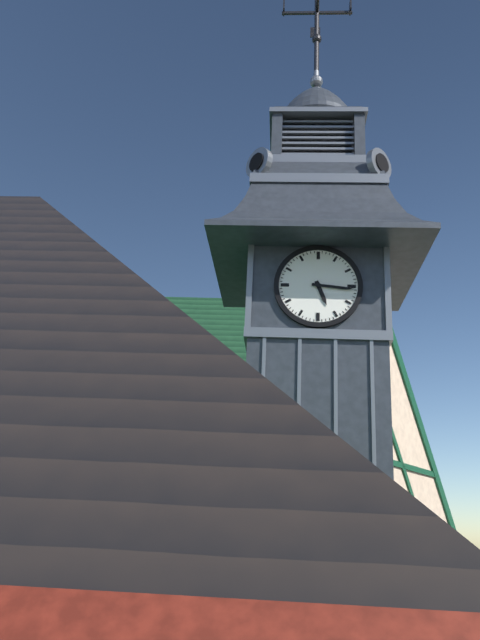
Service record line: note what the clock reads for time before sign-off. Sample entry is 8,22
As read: 5,16
